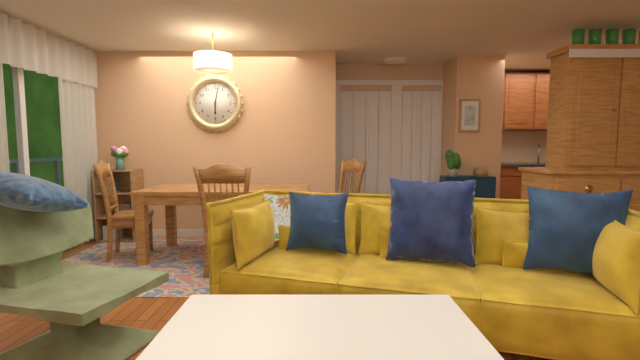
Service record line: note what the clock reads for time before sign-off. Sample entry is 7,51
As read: 6,02
